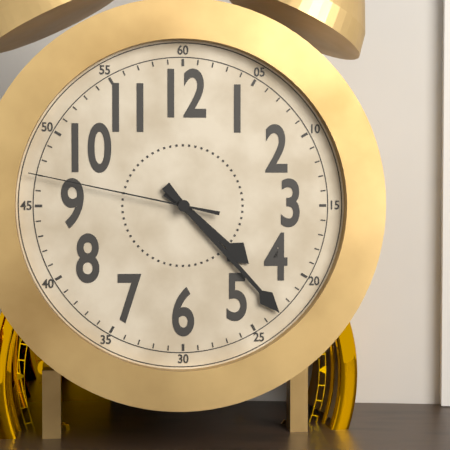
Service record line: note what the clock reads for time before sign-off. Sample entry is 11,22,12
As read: 4,23,47
